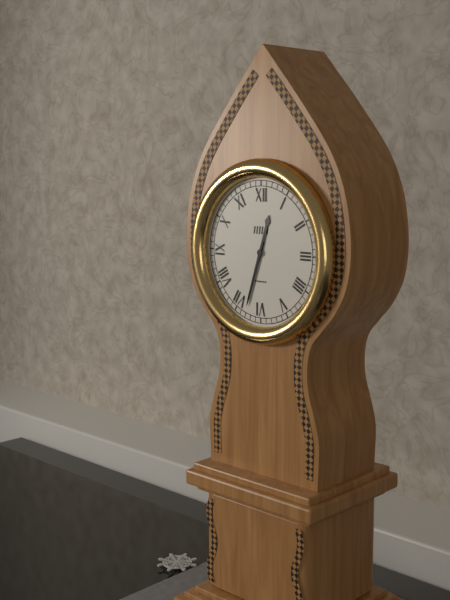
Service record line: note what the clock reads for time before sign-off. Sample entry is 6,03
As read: 12,33
